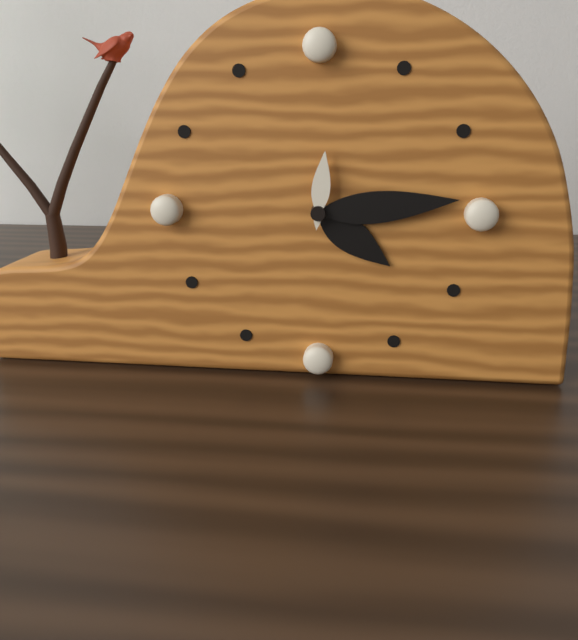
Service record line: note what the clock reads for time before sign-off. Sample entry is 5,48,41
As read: 4,14,01
